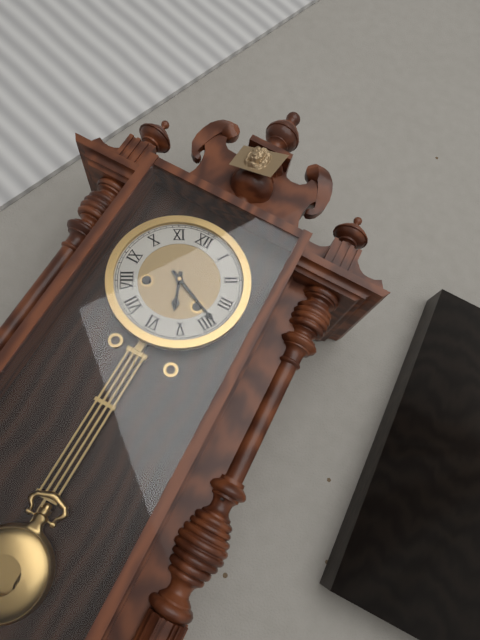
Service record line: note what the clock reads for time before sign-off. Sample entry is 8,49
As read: 5,19
